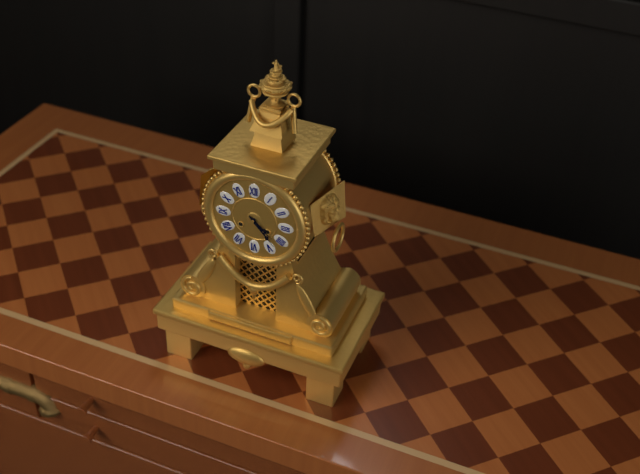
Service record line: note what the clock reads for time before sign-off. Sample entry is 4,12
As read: 4,23
